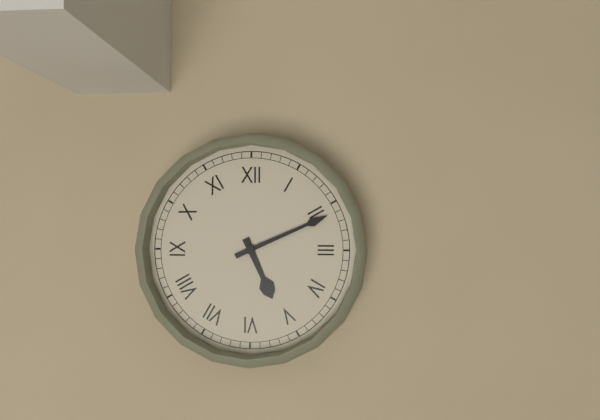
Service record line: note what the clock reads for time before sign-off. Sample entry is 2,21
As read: 5,11
